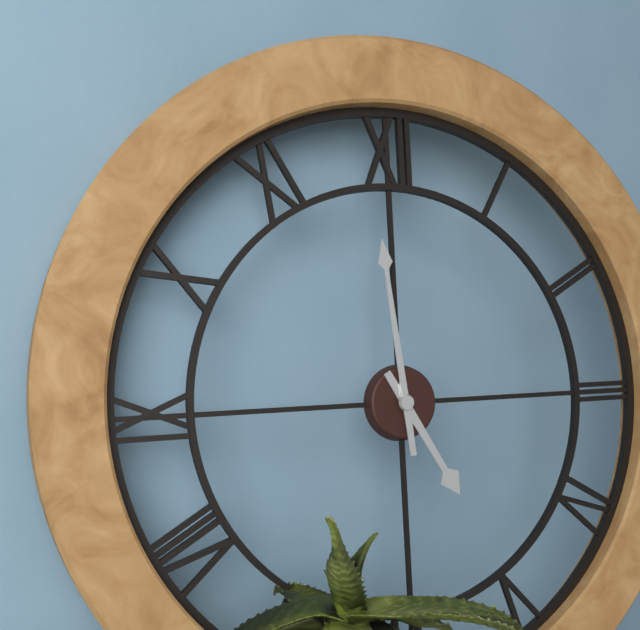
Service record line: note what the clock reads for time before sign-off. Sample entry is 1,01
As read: 4,59
